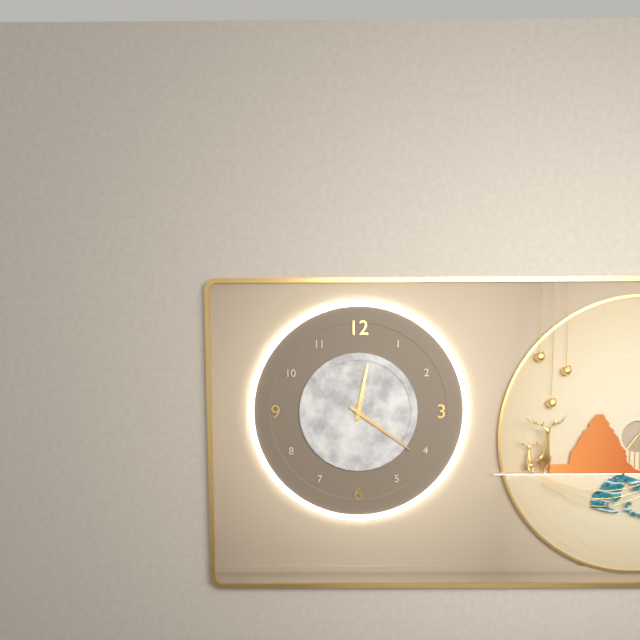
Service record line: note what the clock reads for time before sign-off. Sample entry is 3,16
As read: 12,21
